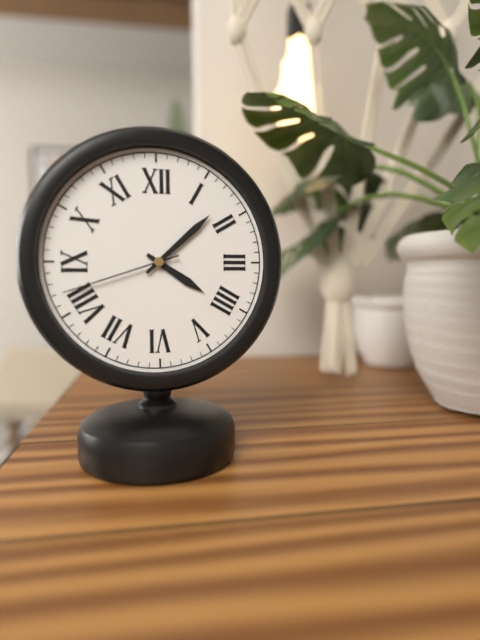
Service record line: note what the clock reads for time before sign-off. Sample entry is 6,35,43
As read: 4,08,42
